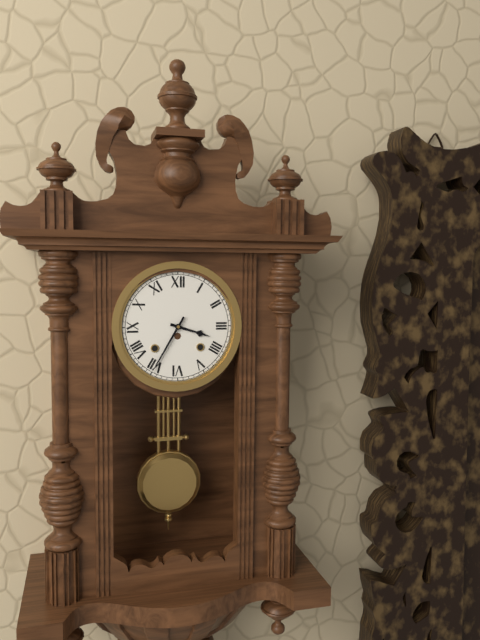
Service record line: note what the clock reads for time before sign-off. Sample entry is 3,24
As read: 3,35
